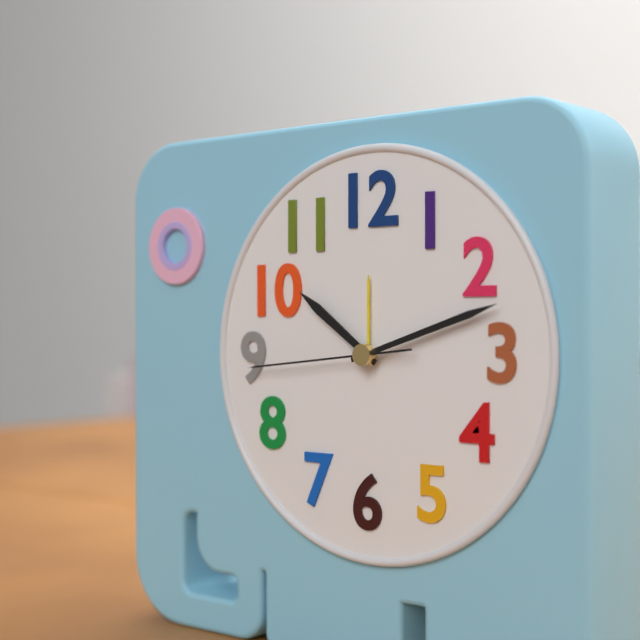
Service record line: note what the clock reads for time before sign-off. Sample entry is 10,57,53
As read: 10,12,44
